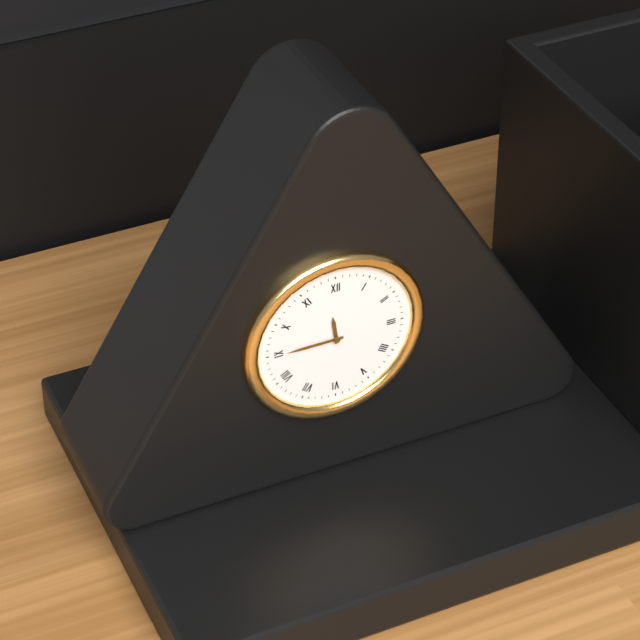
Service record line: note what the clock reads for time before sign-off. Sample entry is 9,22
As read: 11,45
